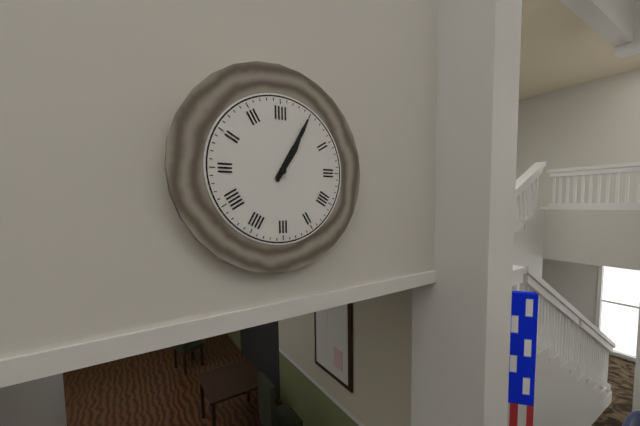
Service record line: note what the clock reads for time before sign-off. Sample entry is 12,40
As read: 1,05
